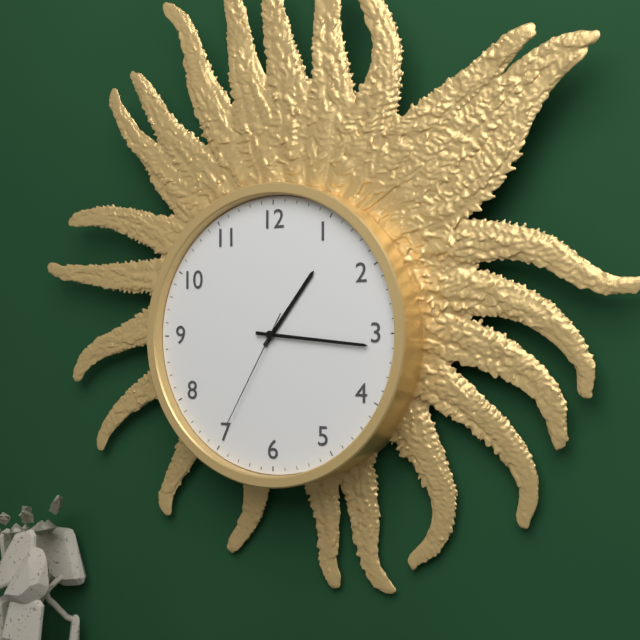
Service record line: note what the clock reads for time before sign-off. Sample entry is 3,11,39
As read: 1,16,35
